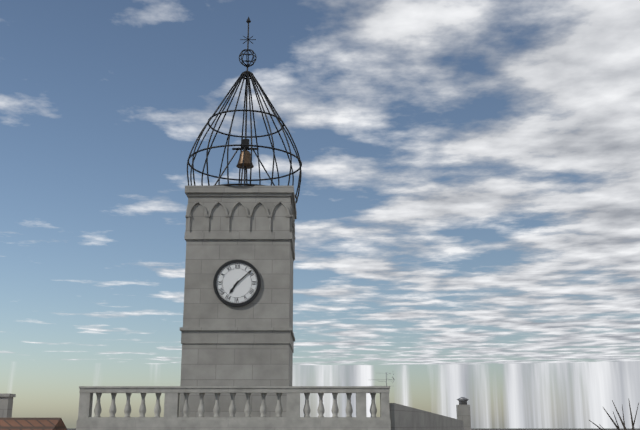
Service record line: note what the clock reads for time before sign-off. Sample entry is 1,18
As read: 7,08
